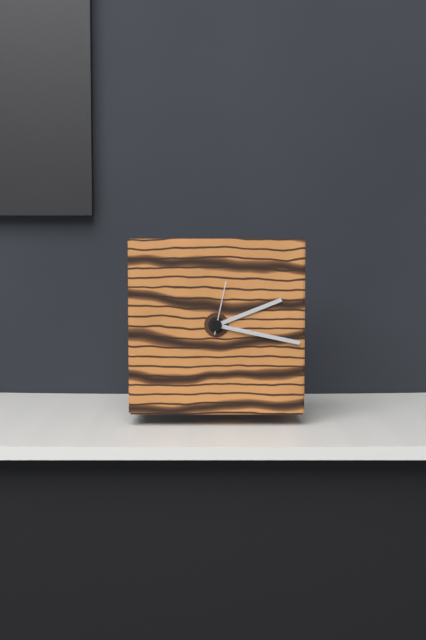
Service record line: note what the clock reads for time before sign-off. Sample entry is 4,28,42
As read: 2,17,02
